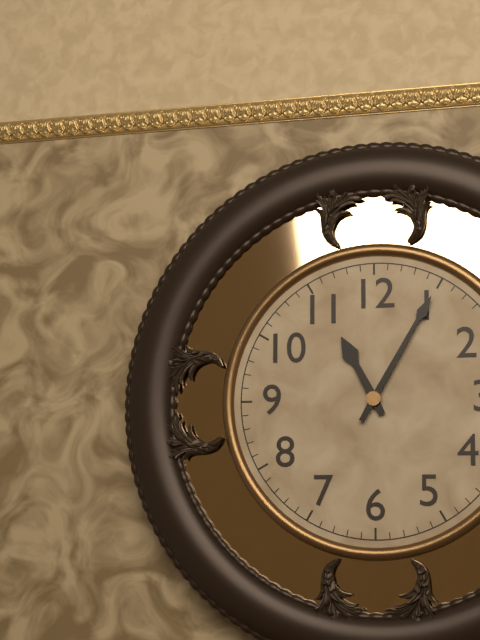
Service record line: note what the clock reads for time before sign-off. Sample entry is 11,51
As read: 11,05
